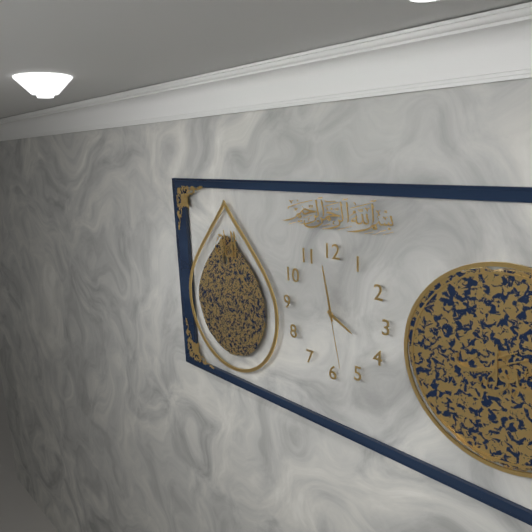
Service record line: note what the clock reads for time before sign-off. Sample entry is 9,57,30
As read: 3,58,28
